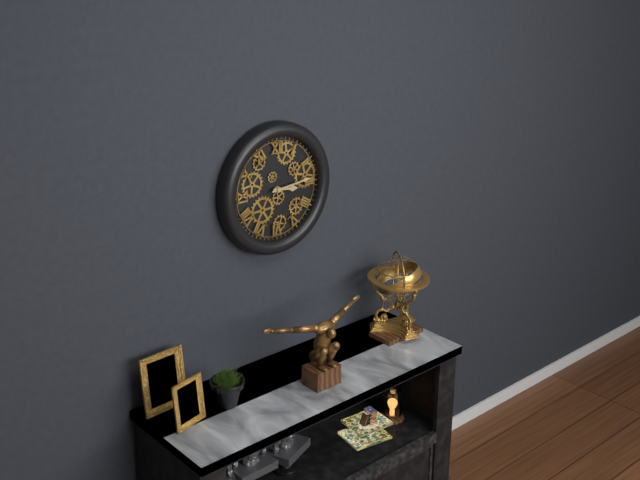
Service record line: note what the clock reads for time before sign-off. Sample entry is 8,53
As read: 3,14
